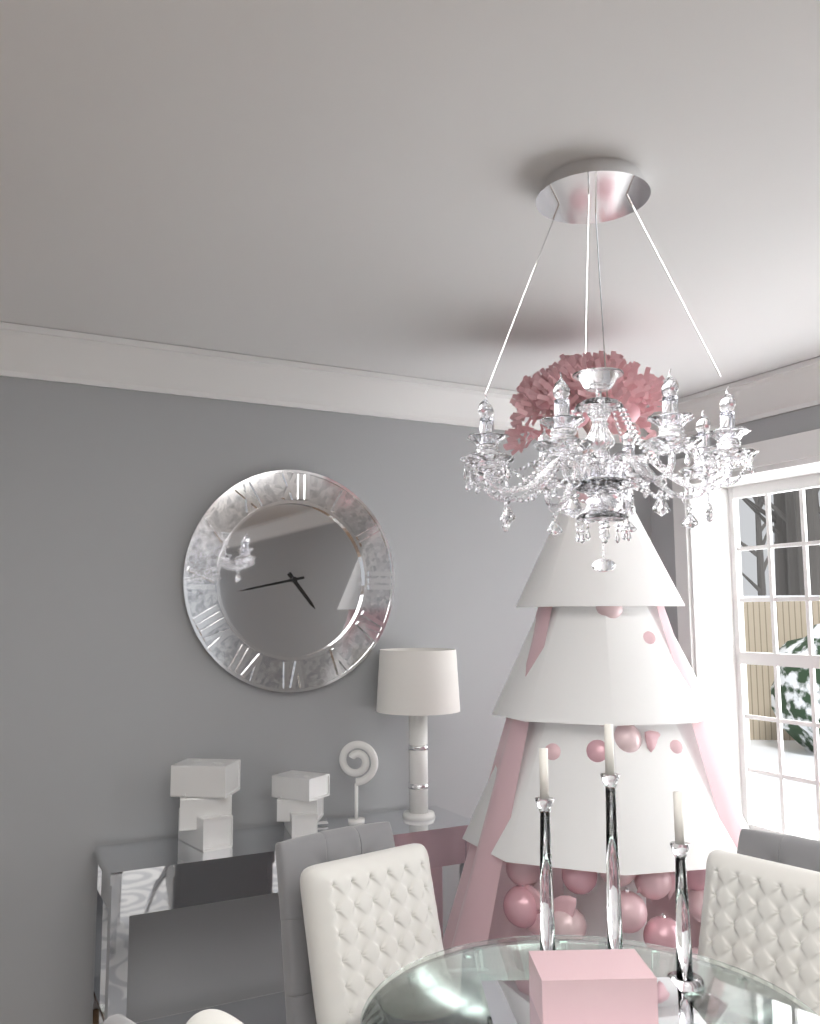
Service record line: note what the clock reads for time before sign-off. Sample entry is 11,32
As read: 4,43
